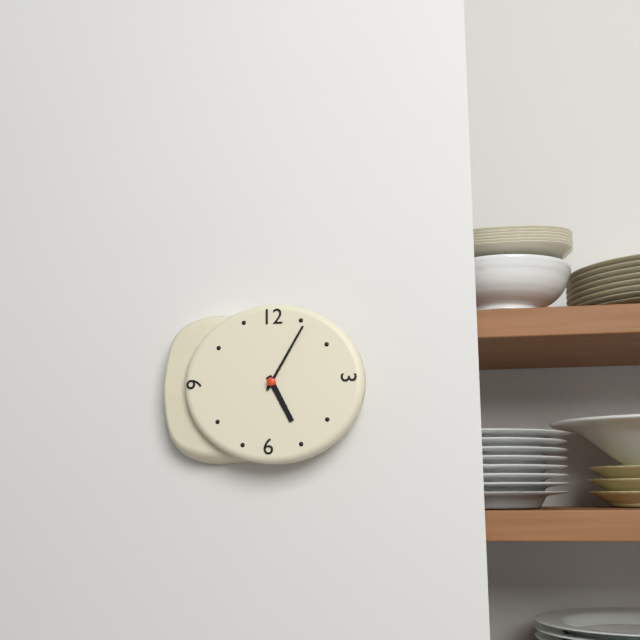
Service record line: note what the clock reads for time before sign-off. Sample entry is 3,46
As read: 5,05
